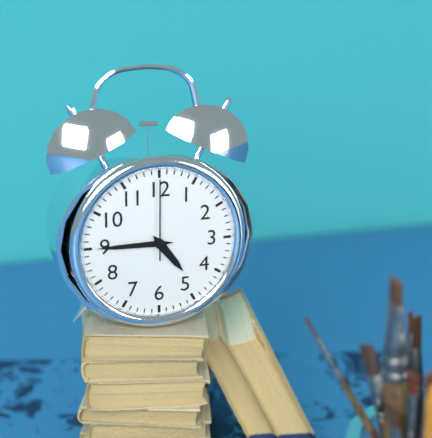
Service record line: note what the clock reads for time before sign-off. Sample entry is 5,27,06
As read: 4,45,00
